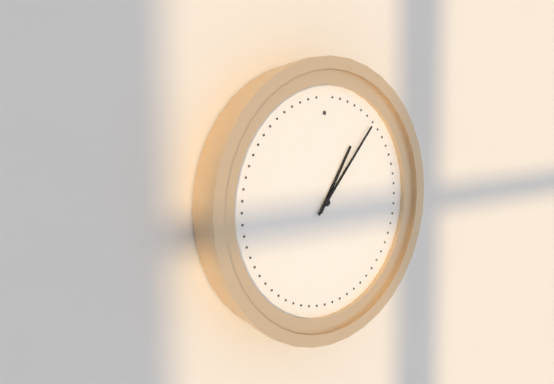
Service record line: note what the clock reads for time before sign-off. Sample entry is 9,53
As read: 1,07
